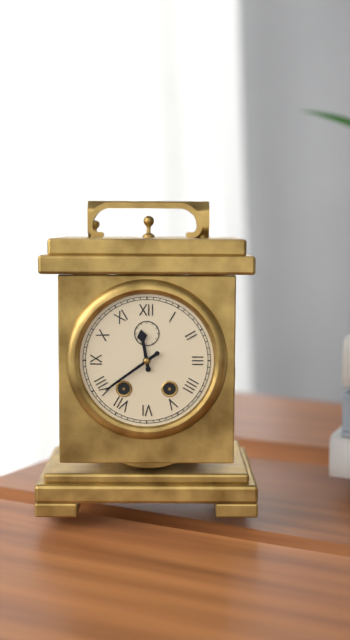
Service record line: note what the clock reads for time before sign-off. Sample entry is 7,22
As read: 11,39
